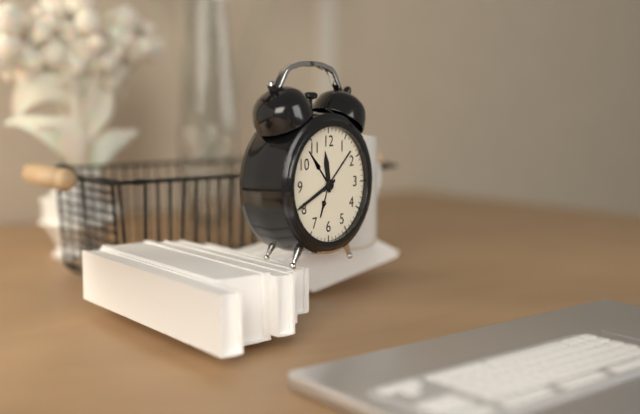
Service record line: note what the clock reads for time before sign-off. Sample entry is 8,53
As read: 11,41
